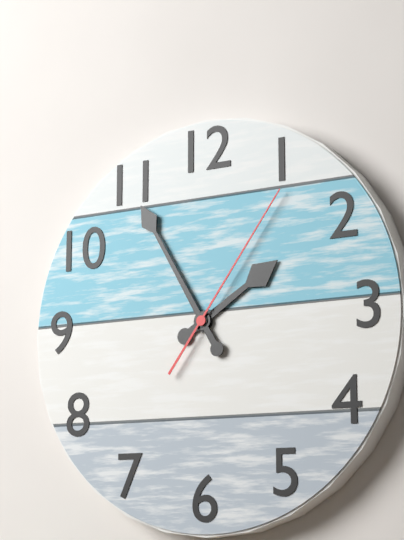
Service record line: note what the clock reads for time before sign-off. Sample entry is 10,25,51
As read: 1,55,06
